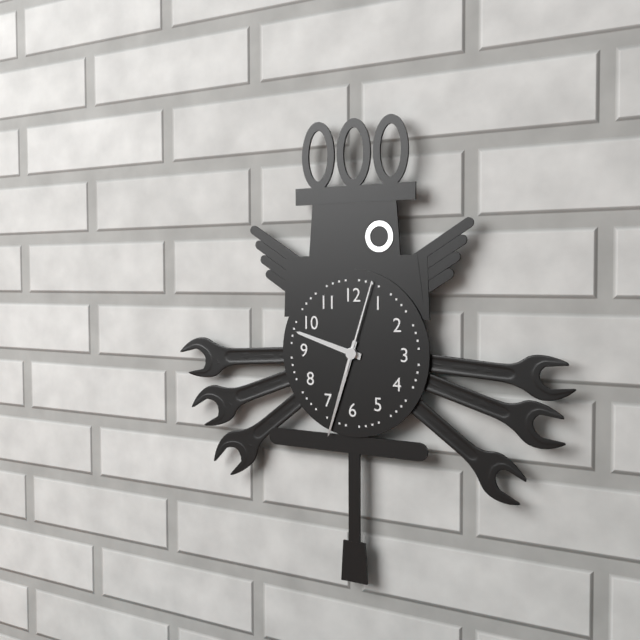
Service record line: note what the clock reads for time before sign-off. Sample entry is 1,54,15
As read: 9,33,03
